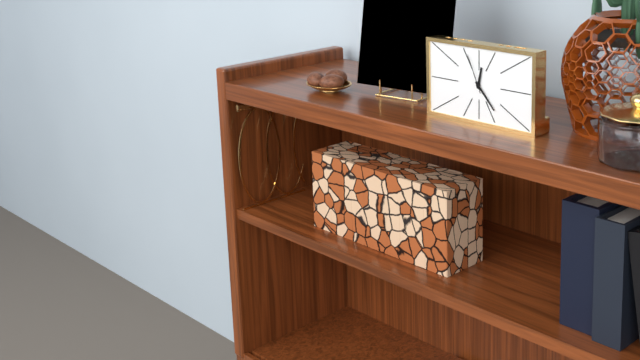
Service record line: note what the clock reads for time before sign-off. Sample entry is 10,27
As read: 12,23
